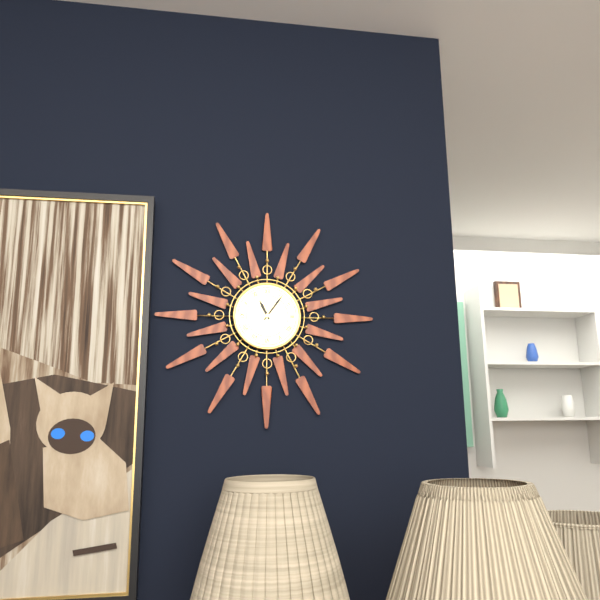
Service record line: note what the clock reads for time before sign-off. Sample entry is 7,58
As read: 11,06
